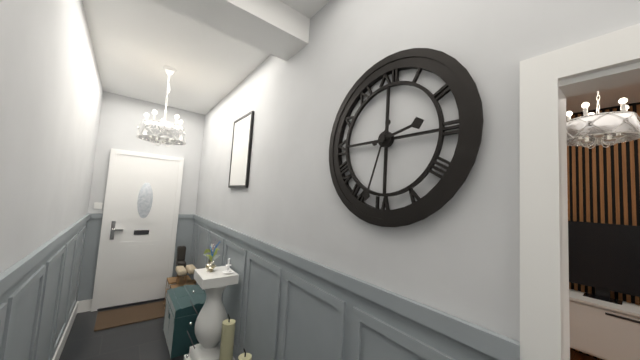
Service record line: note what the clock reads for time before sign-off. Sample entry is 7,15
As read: 2,33
